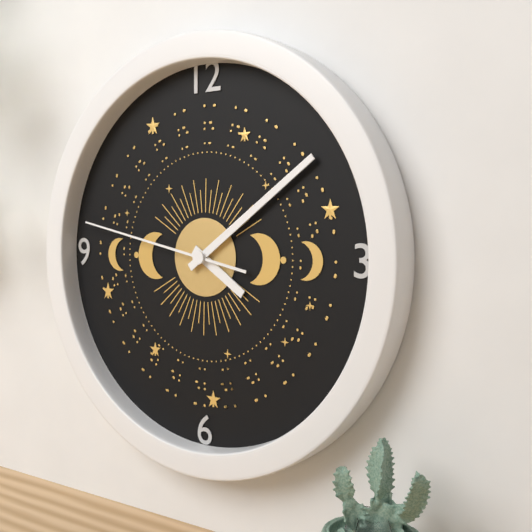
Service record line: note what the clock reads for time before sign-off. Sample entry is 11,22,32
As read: 4,09,47
